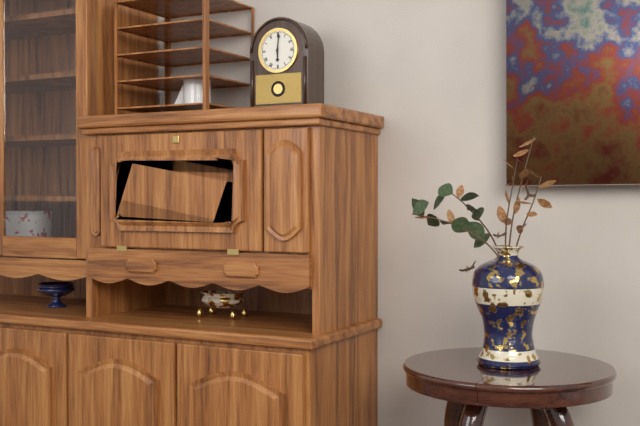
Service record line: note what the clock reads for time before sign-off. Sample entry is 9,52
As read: 6,01
